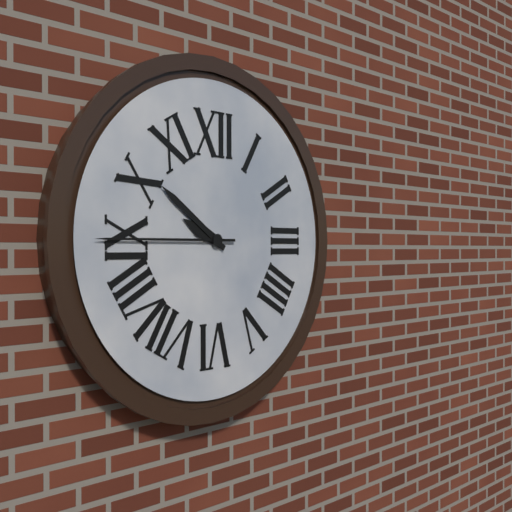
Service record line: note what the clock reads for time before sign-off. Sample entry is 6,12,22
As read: 9,51,45
